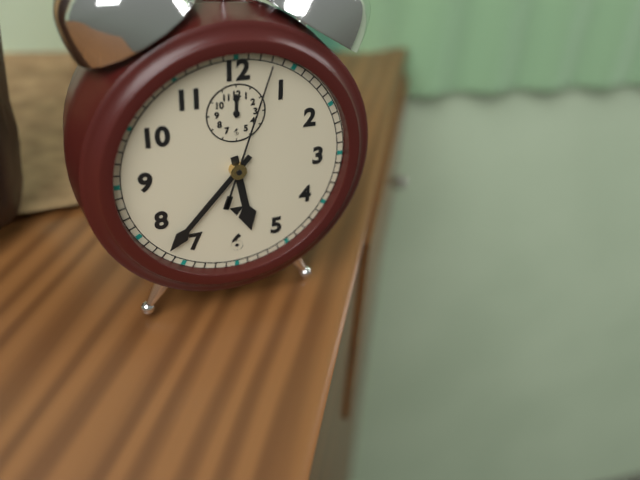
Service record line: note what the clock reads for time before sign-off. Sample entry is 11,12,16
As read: 5,37,03
